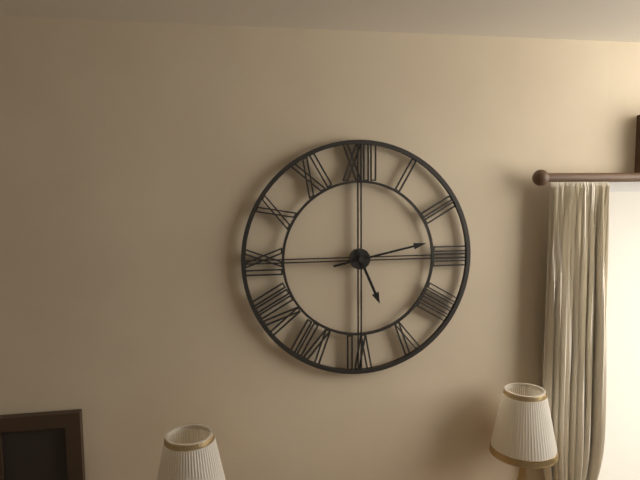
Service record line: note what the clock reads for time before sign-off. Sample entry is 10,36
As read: 5,13
